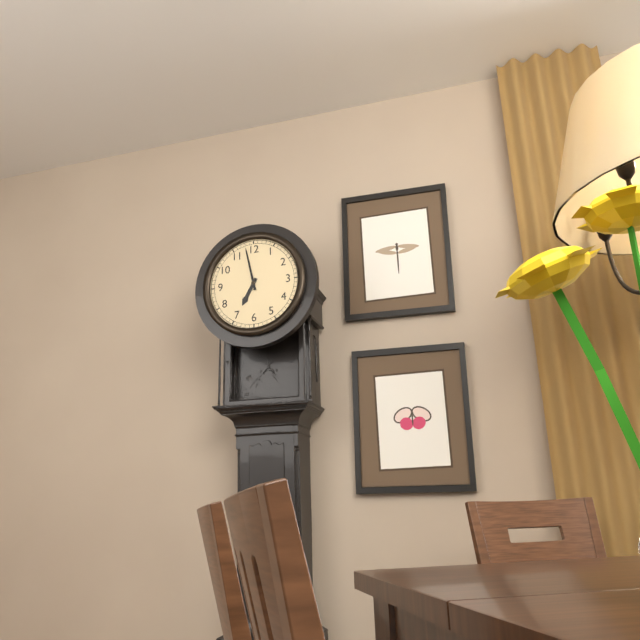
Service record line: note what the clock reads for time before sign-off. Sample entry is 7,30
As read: 6,58
